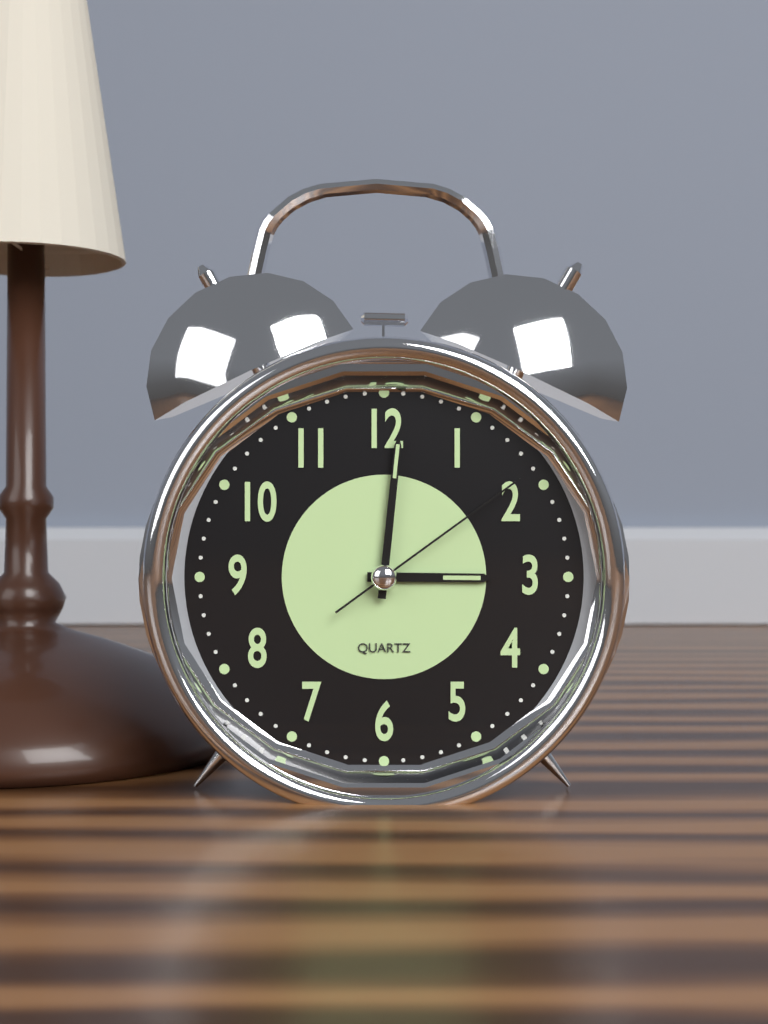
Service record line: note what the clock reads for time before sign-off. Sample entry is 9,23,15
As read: 3,01,09
